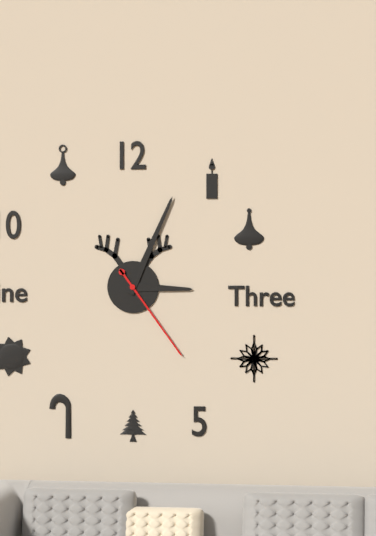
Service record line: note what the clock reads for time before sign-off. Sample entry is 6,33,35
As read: 3,04,24
